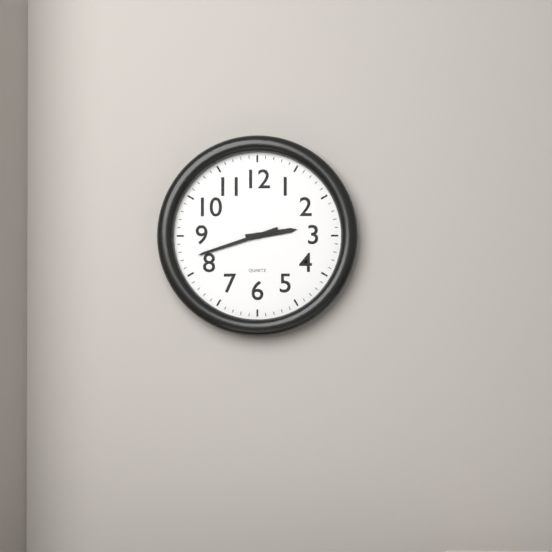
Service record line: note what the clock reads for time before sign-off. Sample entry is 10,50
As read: 2,42
